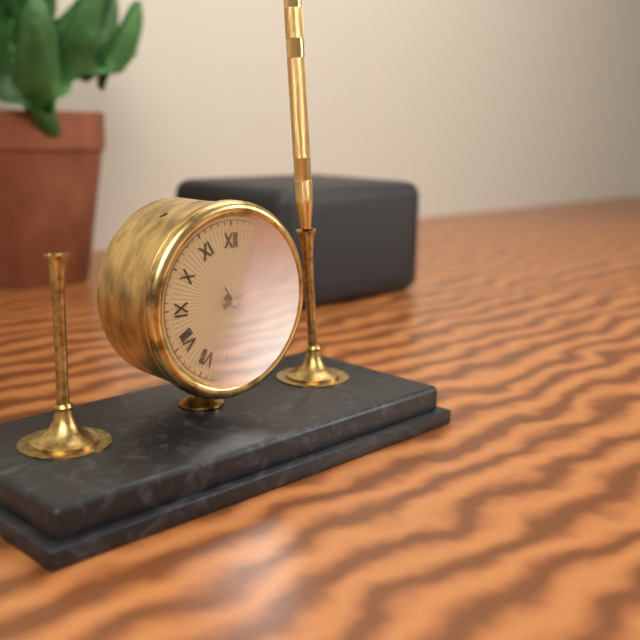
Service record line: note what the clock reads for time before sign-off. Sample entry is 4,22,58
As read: 4,12,24
